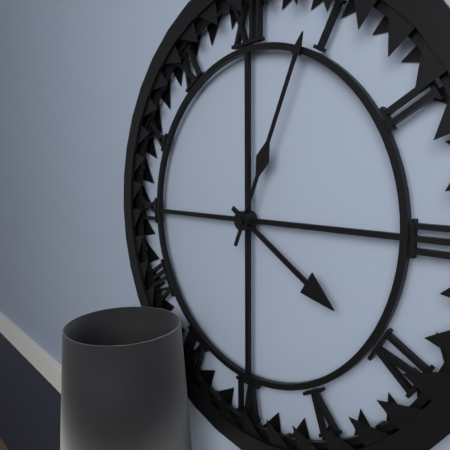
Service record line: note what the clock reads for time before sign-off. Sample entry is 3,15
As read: 4,04
